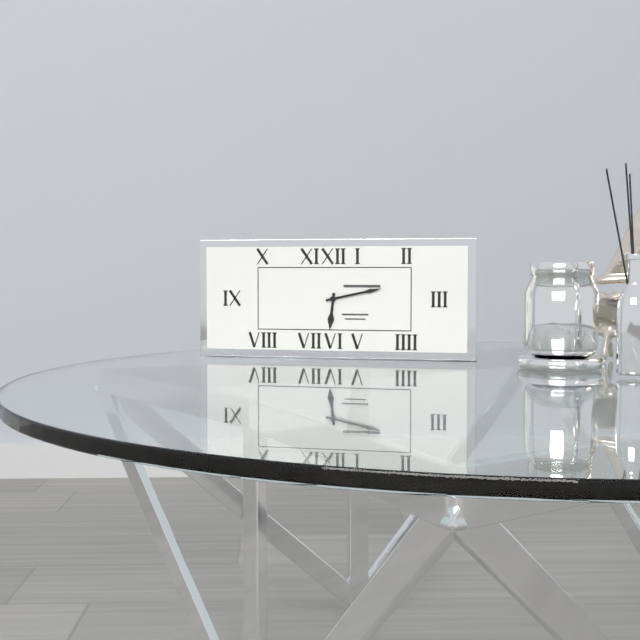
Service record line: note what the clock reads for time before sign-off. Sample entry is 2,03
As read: 6,13
